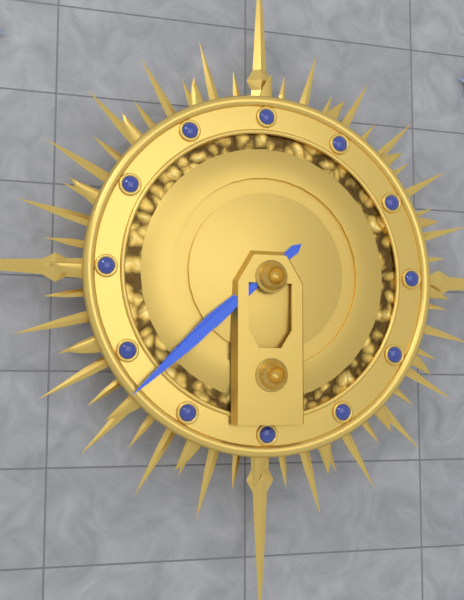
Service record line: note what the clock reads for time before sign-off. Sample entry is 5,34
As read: 7,38
